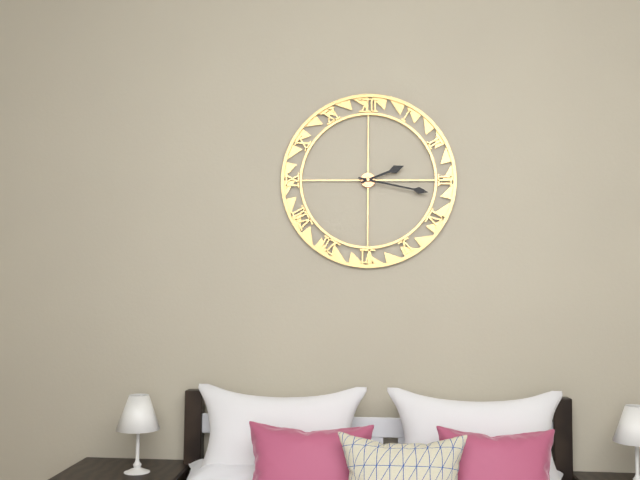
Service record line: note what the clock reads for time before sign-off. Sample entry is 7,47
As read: 2,17
